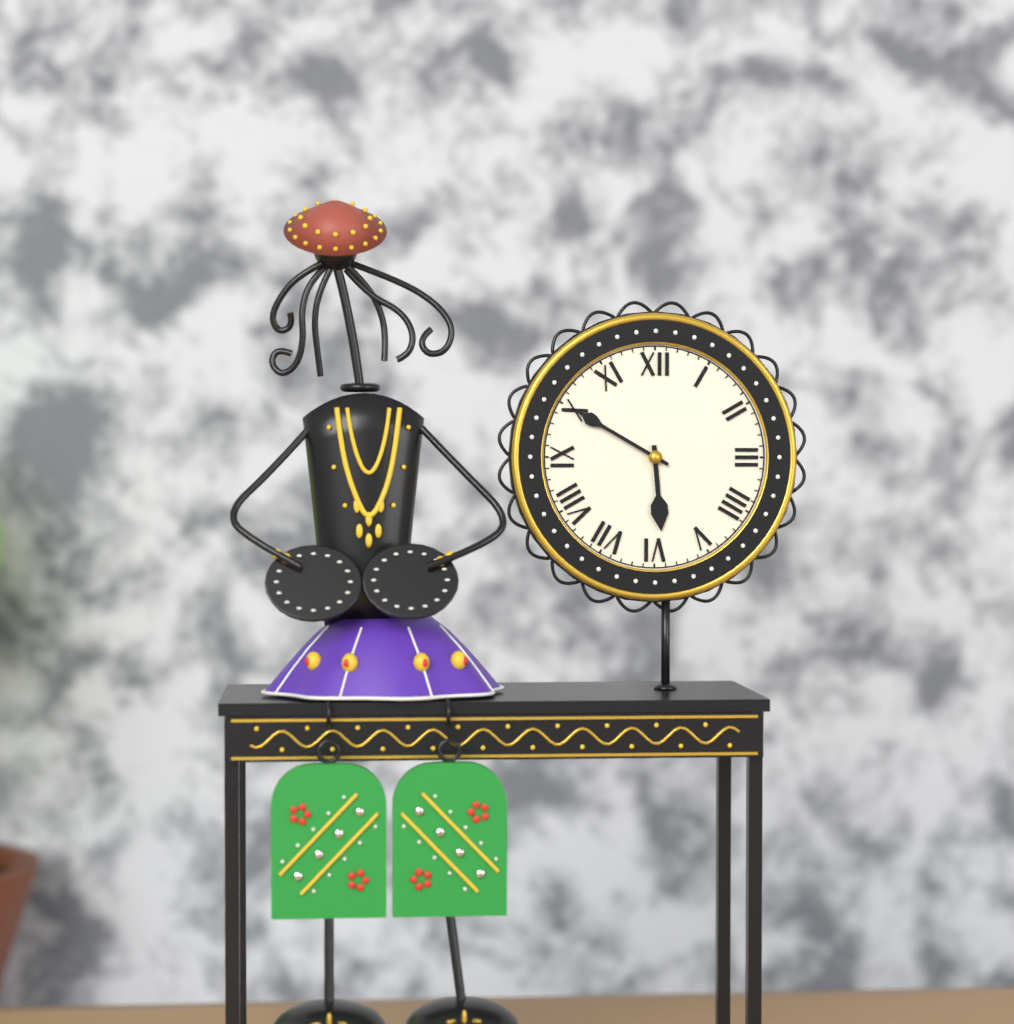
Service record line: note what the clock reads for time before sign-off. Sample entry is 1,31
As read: 5,50
